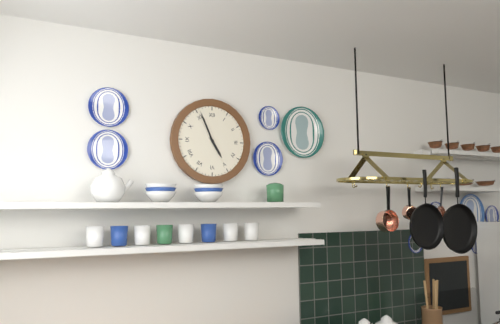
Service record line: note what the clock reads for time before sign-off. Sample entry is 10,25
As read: 4,56
